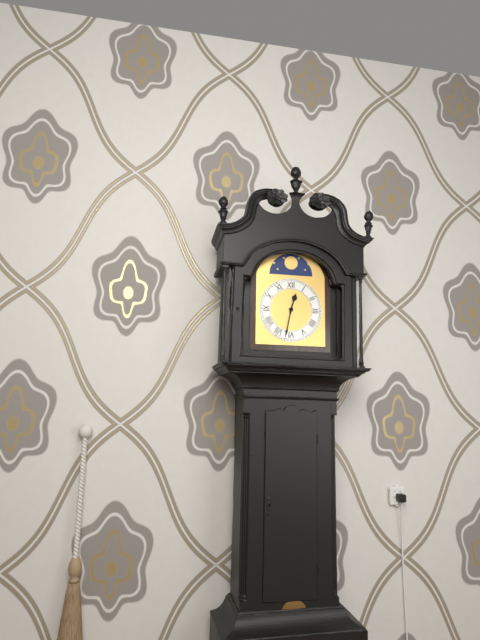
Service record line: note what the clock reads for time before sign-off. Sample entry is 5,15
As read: 12,32
